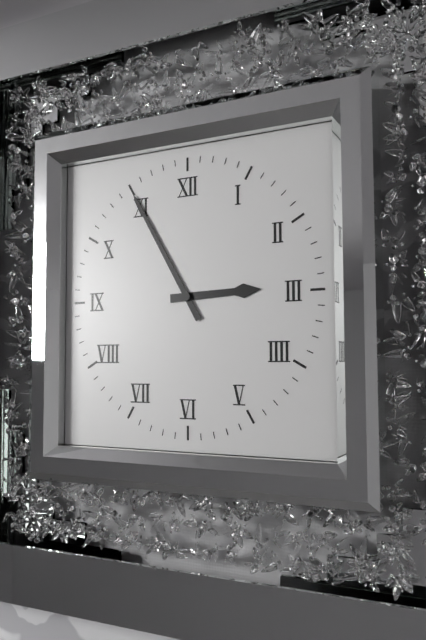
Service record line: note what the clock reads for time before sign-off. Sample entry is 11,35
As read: 2,55
